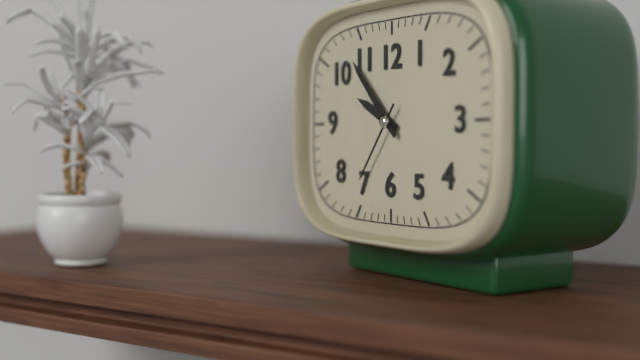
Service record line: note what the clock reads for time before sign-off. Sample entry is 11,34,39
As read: 9,53,36
